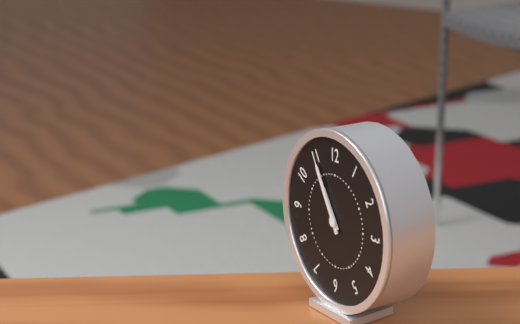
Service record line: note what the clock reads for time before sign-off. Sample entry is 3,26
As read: 10,55
